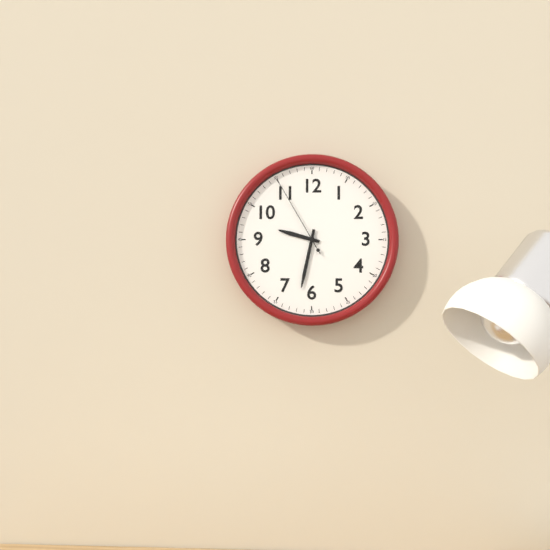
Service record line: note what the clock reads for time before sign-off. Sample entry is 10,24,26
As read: 9,32,55
